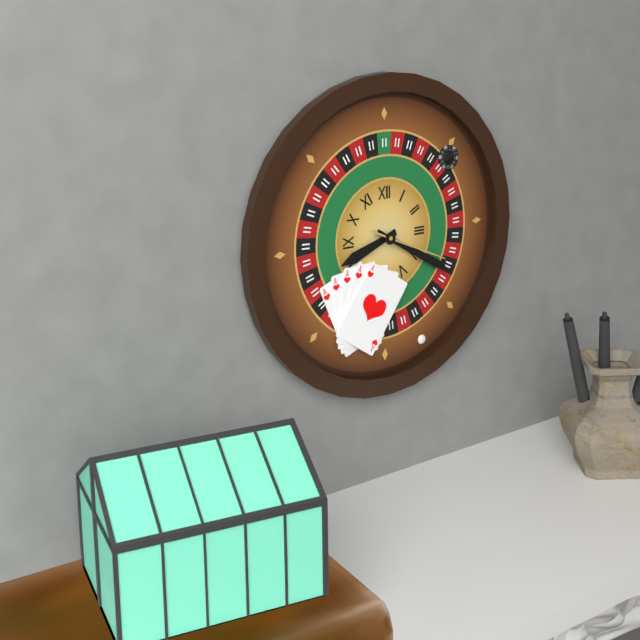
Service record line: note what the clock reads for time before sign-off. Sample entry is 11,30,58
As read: 8,20,19
